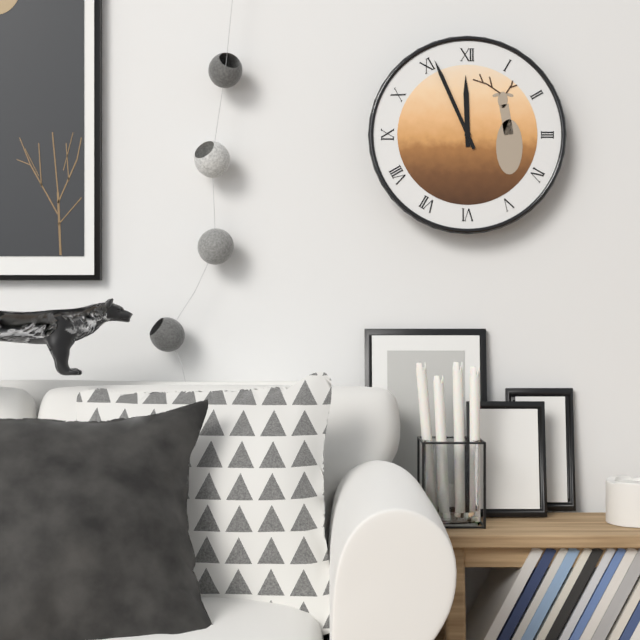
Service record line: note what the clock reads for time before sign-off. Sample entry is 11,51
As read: 11,56
